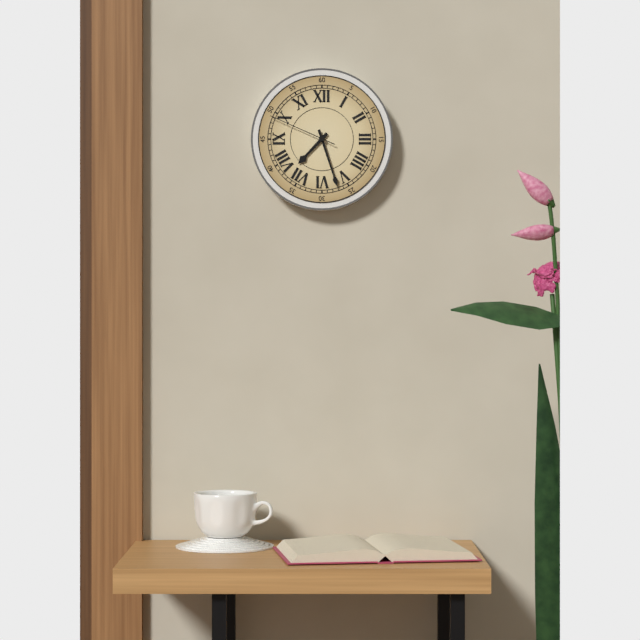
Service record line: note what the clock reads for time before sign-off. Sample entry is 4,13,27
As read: 7,27,49
